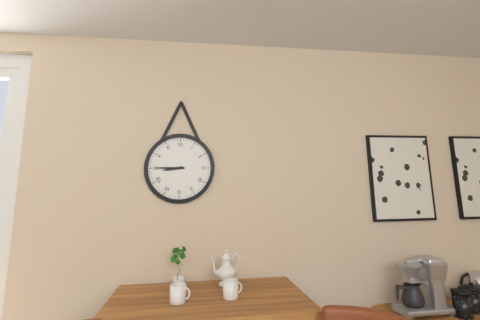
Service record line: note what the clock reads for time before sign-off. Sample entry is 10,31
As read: 8,45
